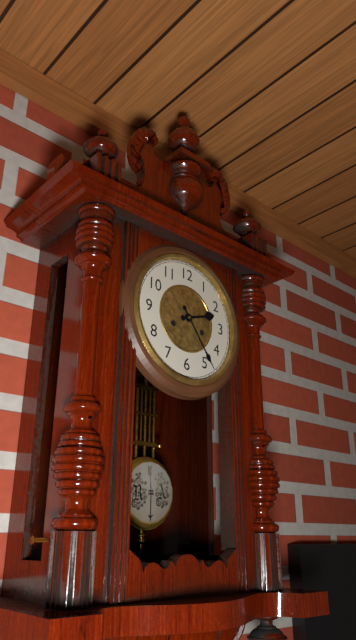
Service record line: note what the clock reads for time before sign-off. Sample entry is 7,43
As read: 2,24
